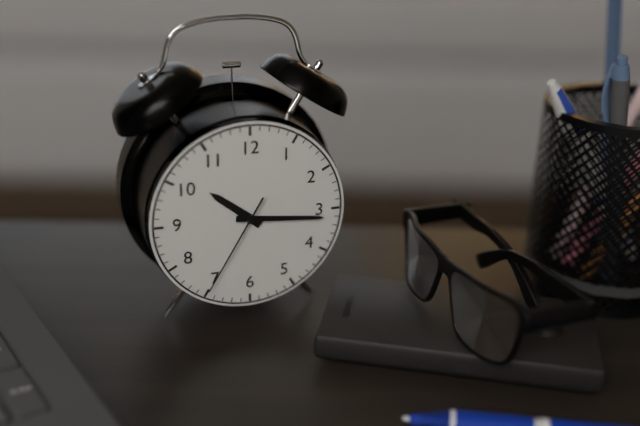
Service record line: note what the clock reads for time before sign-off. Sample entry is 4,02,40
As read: 10,16,35
